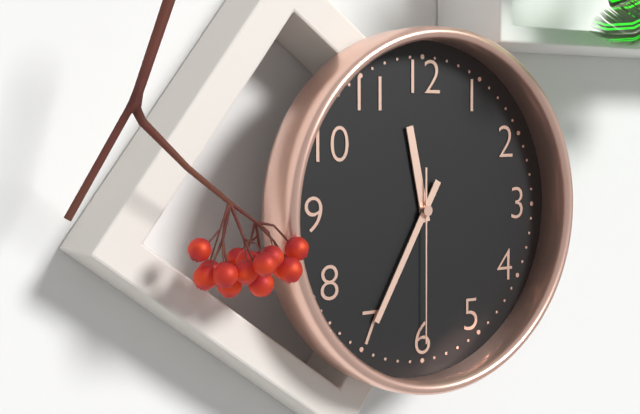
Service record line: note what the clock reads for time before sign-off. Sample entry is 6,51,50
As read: 11,35,30
